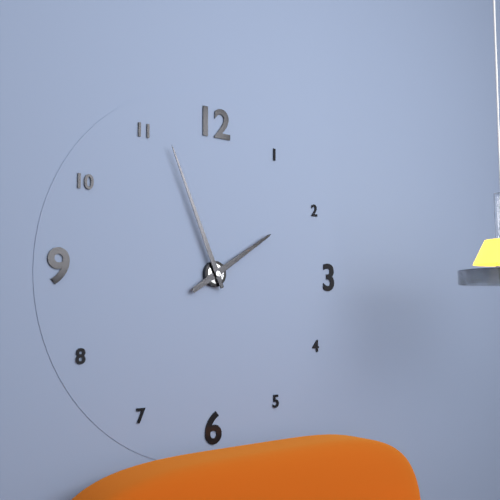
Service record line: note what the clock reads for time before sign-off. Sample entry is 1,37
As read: 1,56
